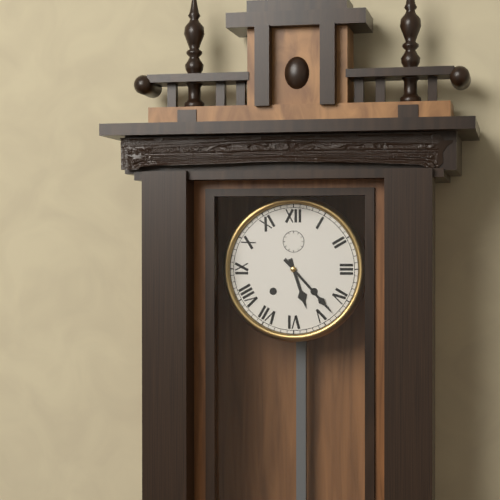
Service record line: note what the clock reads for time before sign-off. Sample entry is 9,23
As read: 5,23
